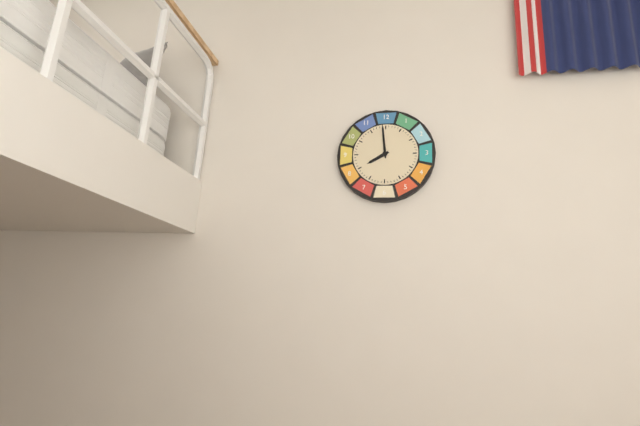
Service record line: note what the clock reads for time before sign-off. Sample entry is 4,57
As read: 7,59
